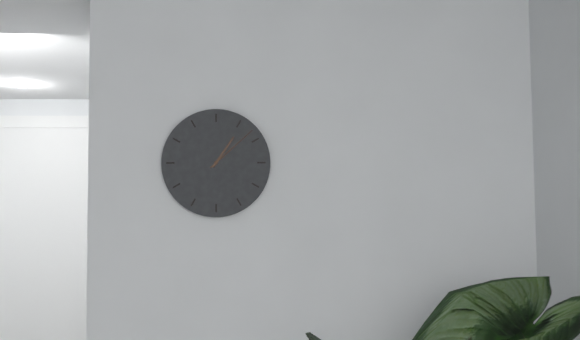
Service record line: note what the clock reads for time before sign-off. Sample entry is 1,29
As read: 1,08
